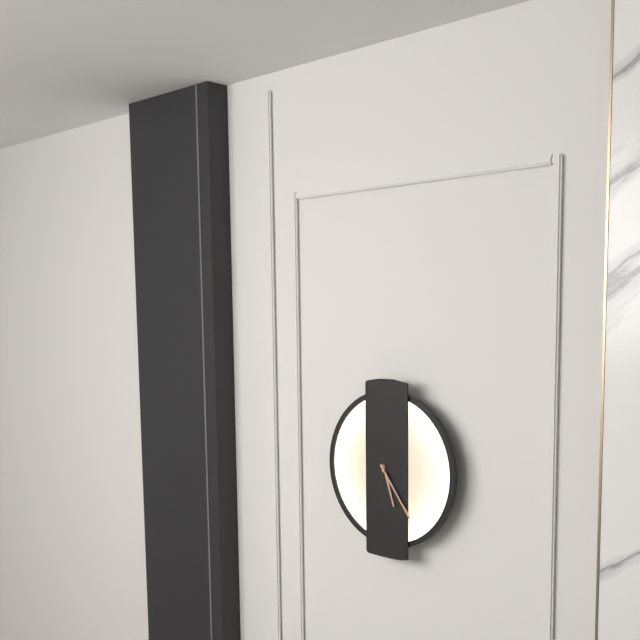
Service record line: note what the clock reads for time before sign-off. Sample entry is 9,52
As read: 5,24
